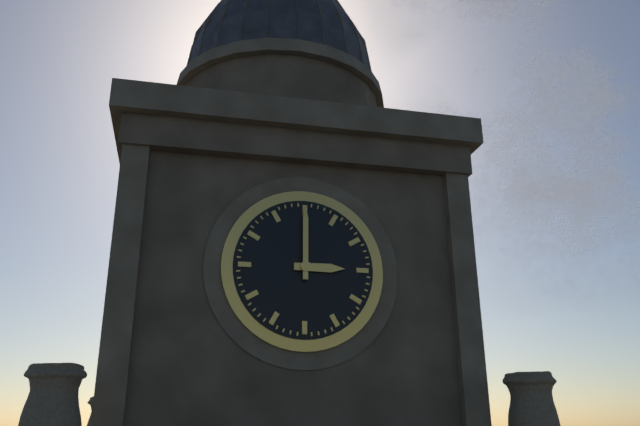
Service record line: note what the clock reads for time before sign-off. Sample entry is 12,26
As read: 3,00
